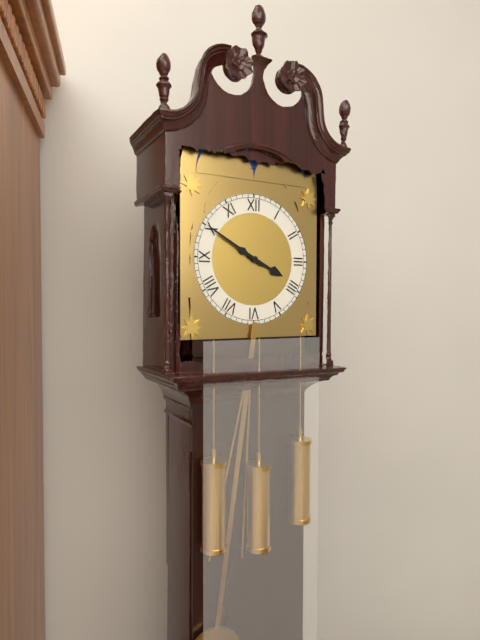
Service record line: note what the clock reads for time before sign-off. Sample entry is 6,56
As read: 3,50
